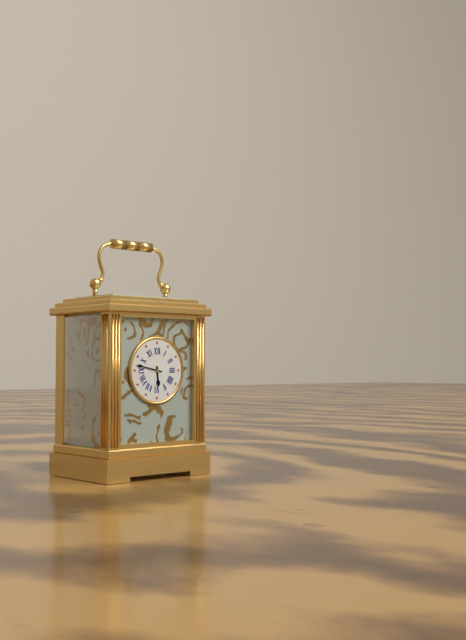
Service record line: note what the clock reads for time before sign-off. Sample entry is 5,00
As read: 5,47
